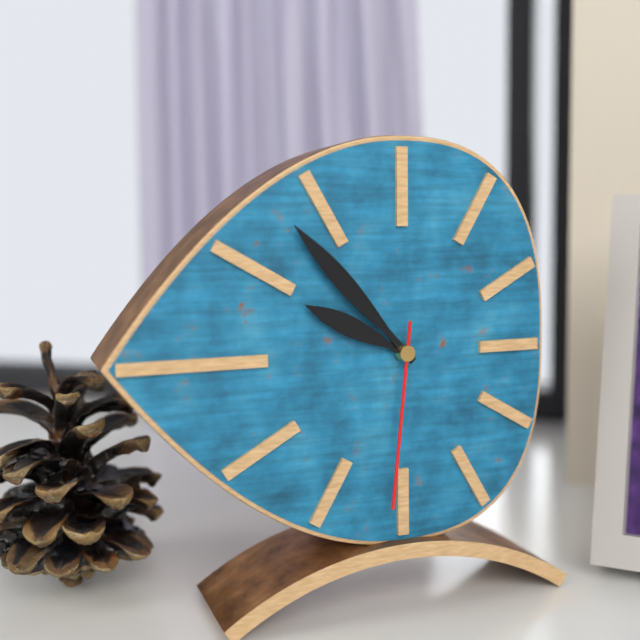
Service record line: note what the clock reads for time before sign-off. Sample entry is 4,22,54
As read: 9,53,31
